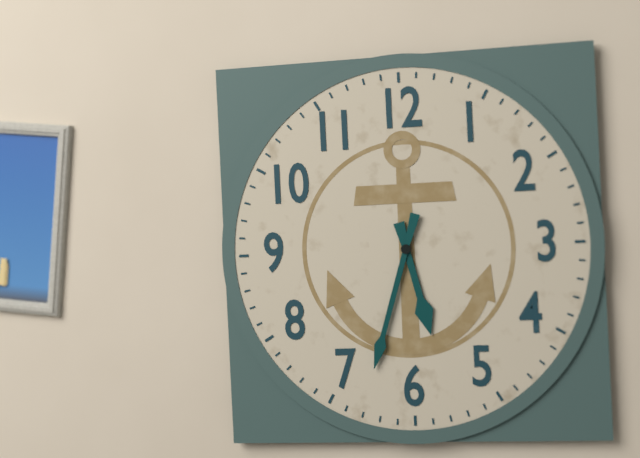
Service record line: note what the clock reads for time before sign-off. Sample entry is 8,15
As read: 5,33
